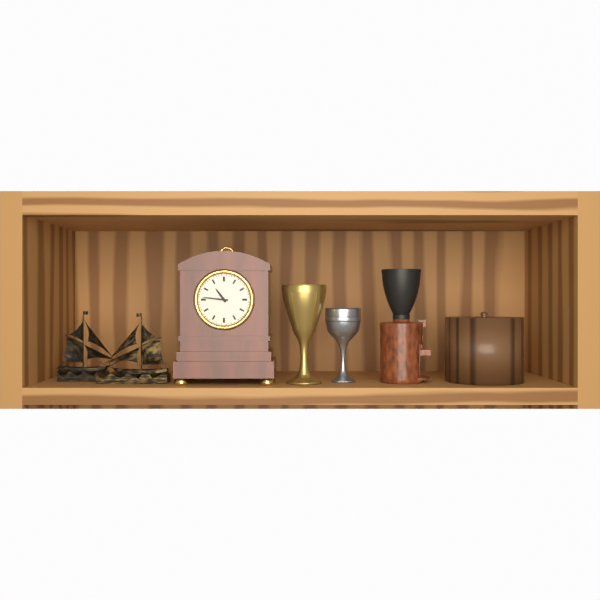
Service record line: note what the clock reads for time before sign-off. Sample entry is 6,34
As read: 10,46
